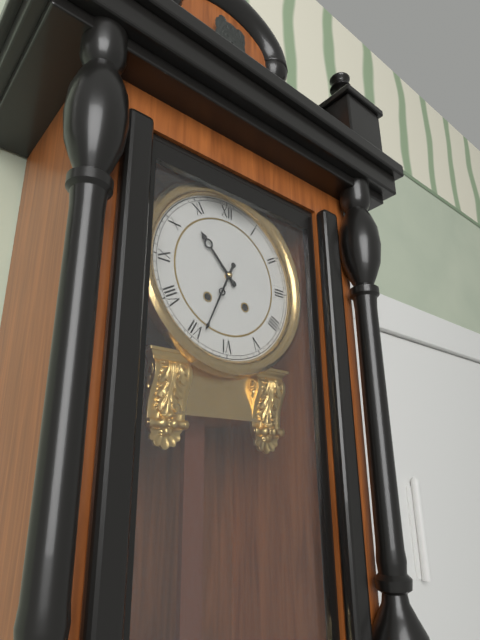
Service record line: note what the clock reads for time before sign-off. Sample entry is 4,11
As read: 10,34
